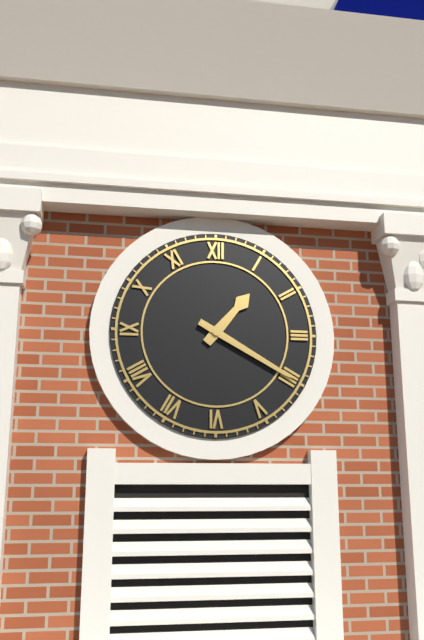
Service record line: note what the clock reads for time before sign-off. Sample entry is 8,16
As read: 1,20
